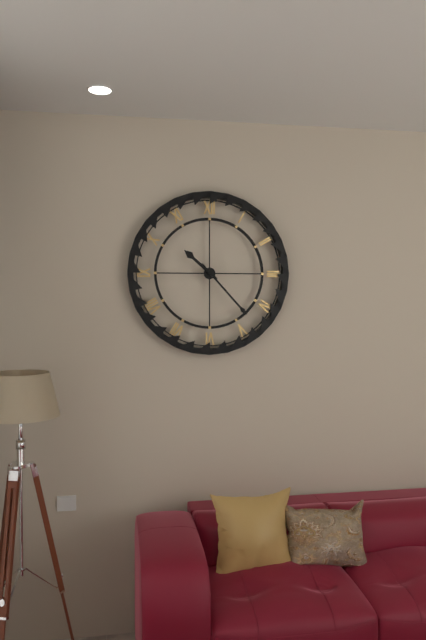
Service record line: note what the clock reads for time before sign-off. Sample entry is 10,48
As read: 10,23
